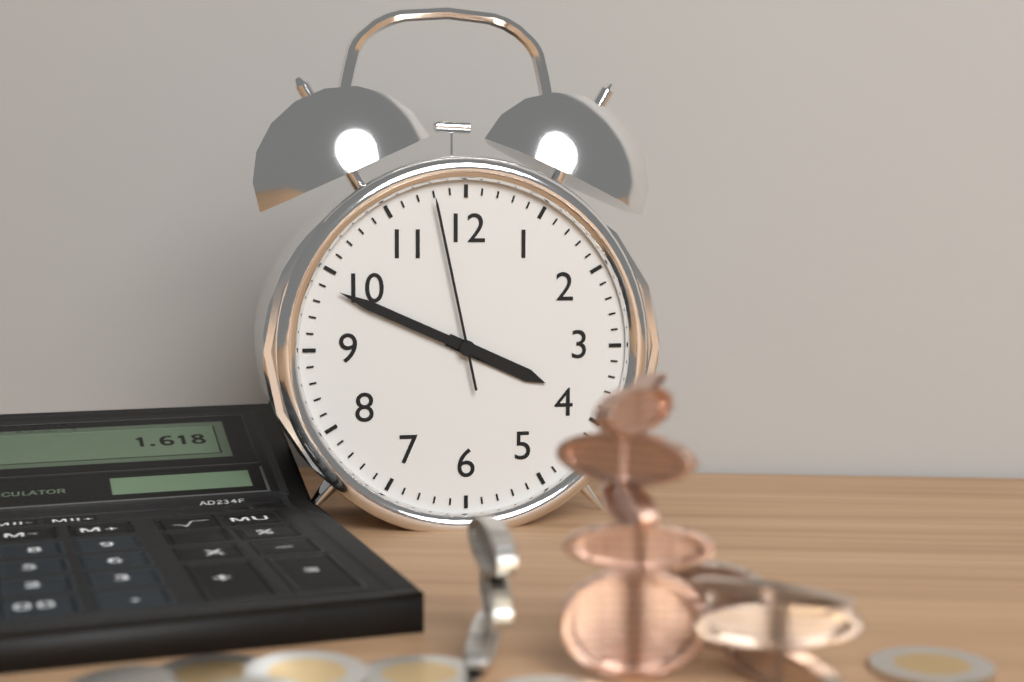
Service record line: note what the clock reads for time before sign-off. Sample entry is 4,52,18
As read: 3,49,58
